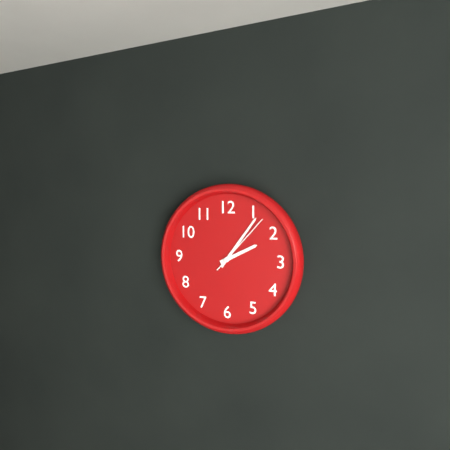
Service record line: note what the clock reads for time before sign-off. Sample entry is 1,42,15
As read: 2,06,07
